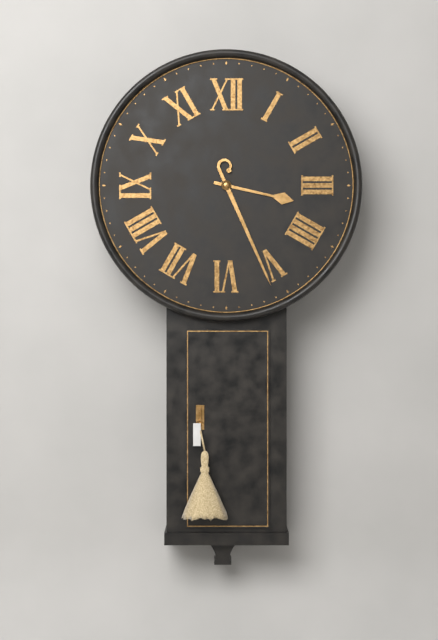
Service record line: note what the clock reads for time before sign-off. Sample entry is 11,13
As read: 3,26
